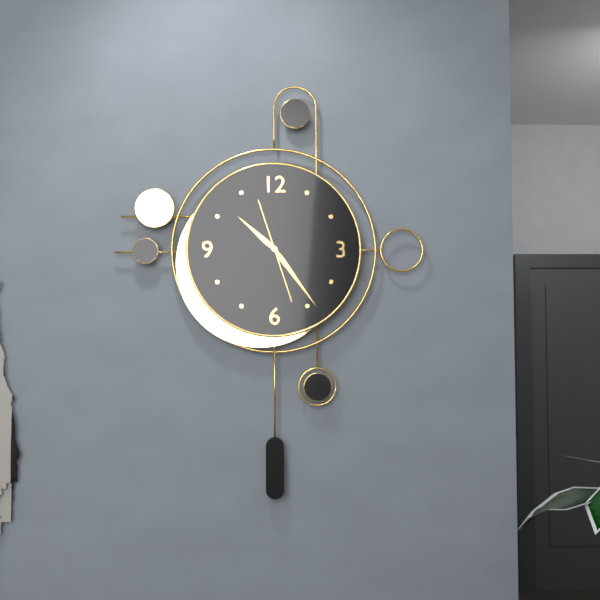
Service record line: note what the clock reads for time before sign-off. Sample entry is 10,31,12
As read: 10,24,27
